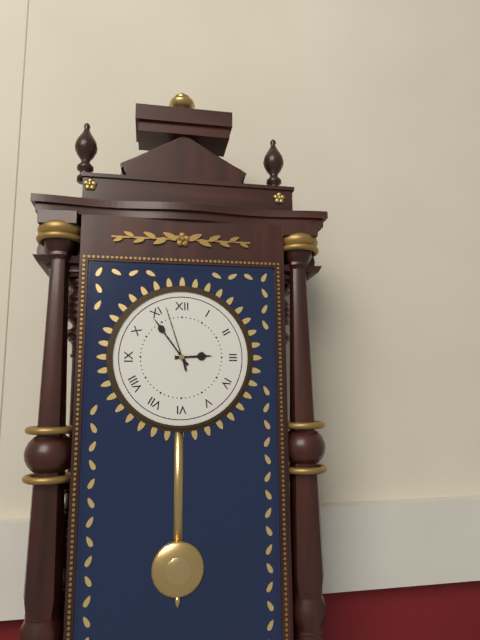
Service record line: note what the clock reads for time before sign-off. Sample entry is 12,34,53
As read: 2,54,57
